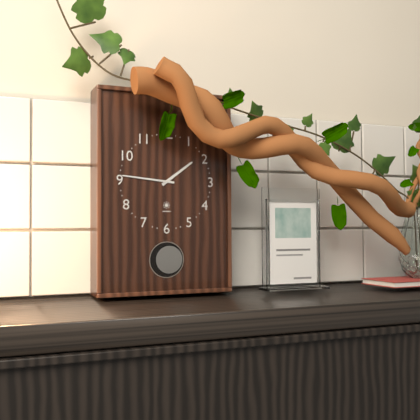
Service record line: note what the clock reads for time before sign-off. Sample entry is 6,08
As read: 1,46
